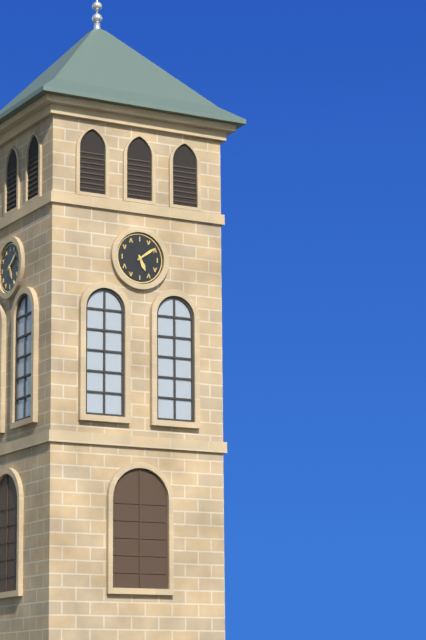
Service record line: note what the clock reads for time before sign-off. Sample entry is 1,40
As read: 5,09
